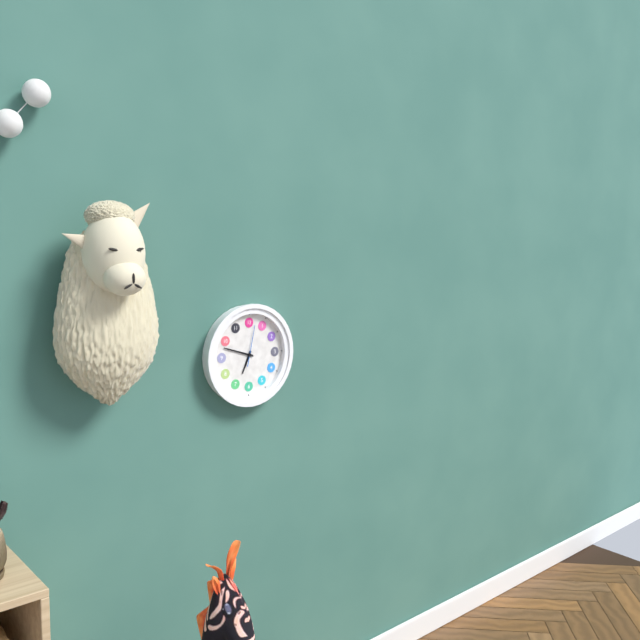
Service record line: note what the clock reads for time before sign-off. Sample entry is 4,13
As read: 6,48
